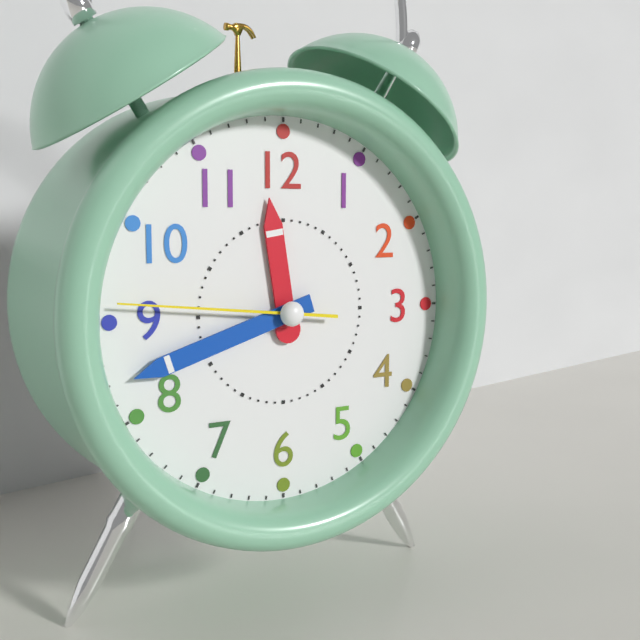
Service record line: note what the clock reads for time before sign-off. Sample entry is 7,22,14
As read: 11,42,46
